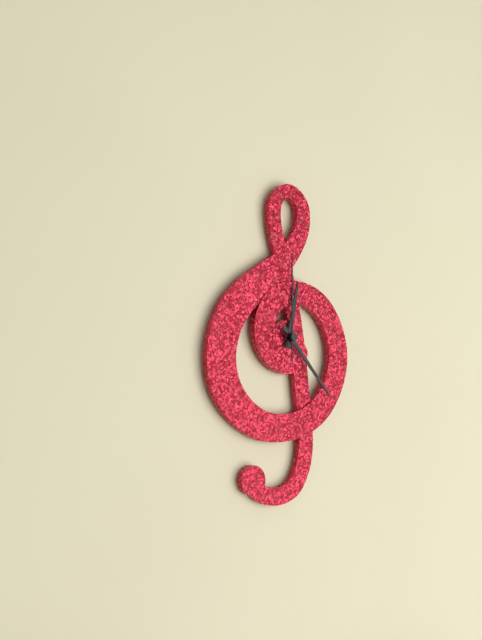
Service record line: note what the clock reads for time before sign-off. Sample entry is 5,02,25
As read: 12,23,00
